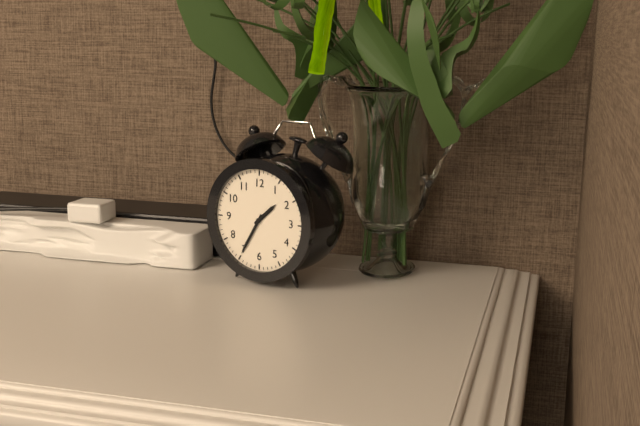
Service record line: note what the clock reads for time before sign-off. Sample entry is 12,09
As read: 1,35
